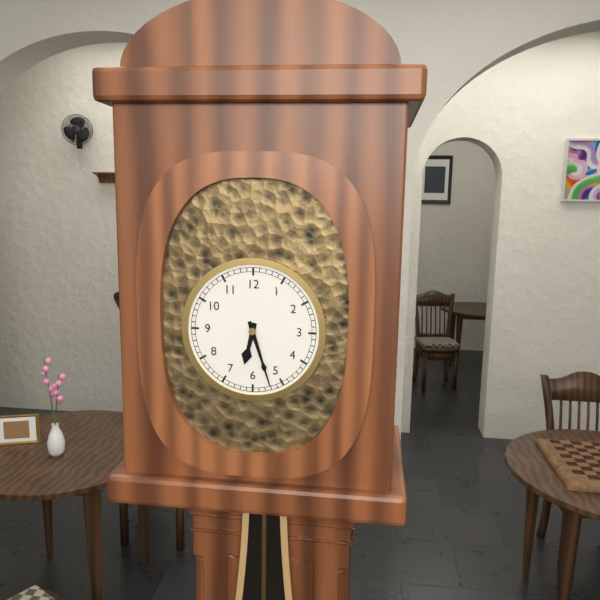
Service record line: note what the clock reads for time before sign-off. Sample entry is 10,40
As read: 6,27
